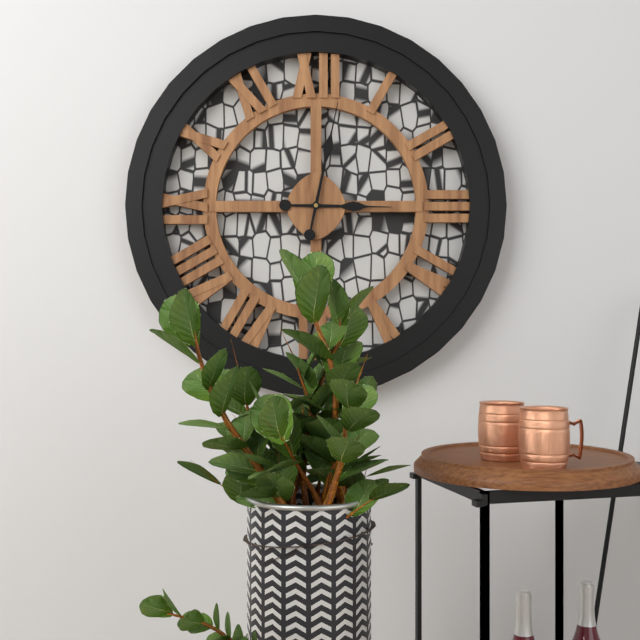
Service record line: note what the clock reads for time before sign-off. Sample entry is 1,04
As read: 3,02
